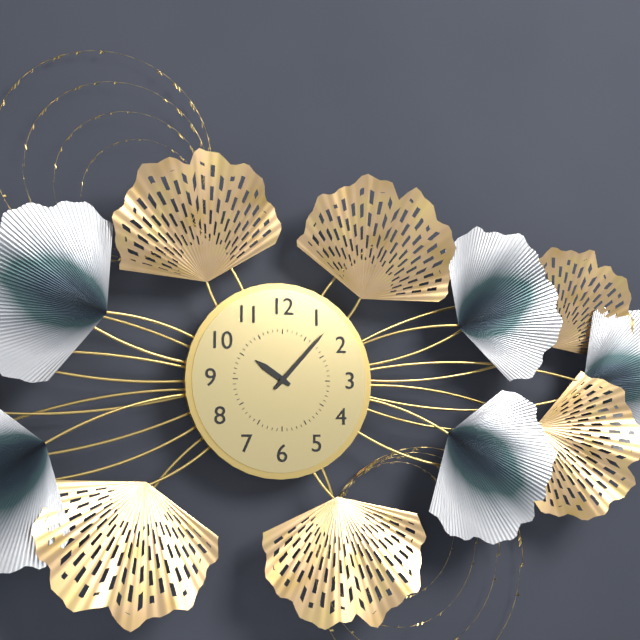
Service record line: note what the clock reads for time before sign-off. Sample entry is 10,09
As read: 10,07
